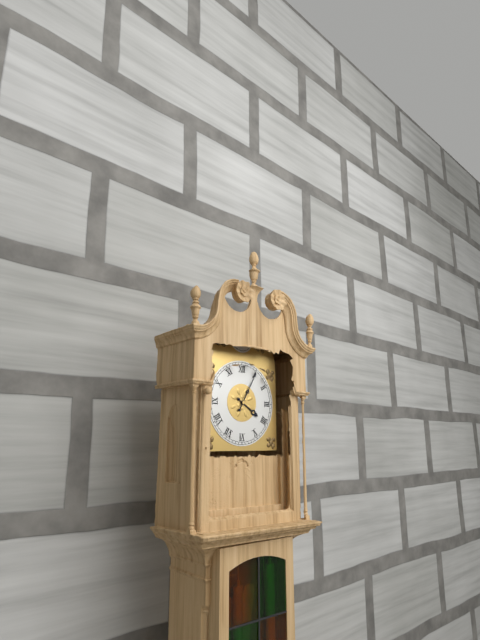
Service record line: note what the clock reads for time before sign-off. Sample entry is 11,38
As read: 4,05
